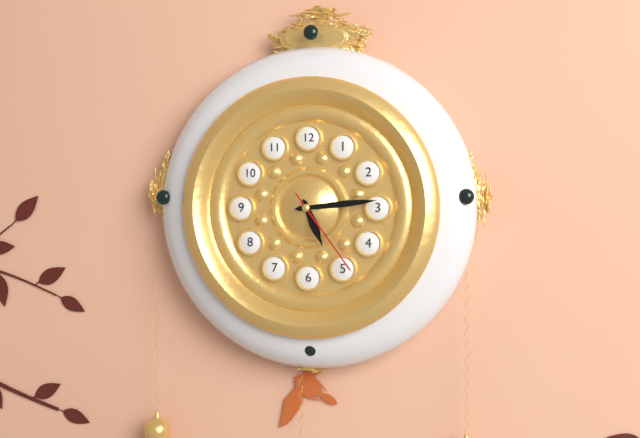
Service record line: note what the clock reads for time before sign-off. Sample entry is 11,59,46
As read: 5,14,24
